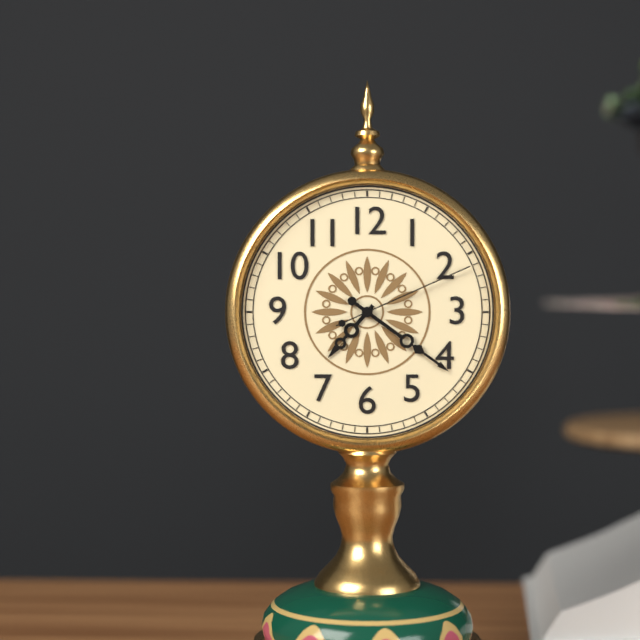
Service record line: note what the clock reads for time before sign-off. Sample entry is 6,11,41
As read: 7,21,11
